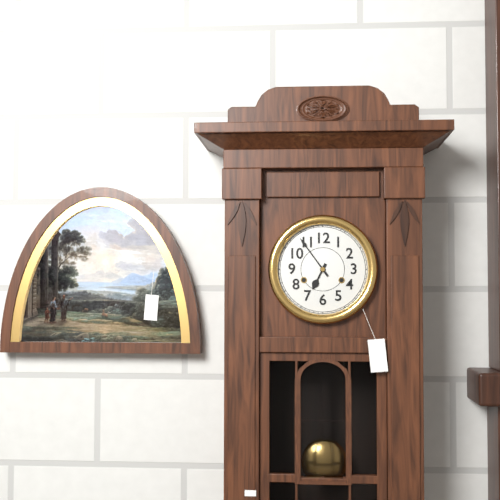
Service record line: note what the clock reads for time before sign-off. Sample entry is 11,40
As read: 6,54
